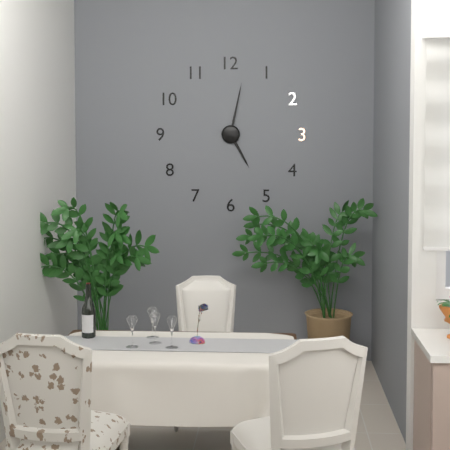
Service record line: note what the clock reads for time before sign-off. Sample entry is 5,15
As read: 5,02
